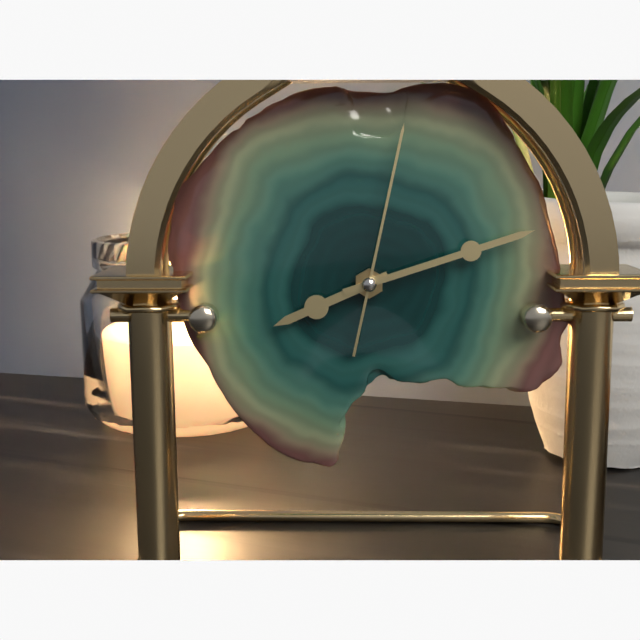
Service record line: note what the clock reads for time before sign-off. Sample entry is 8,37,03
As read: 8,12,02
